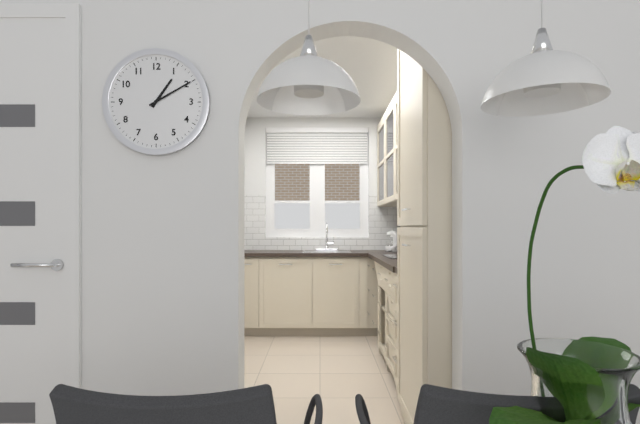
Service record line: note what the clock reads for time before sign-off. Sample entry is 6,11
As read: 1,10
